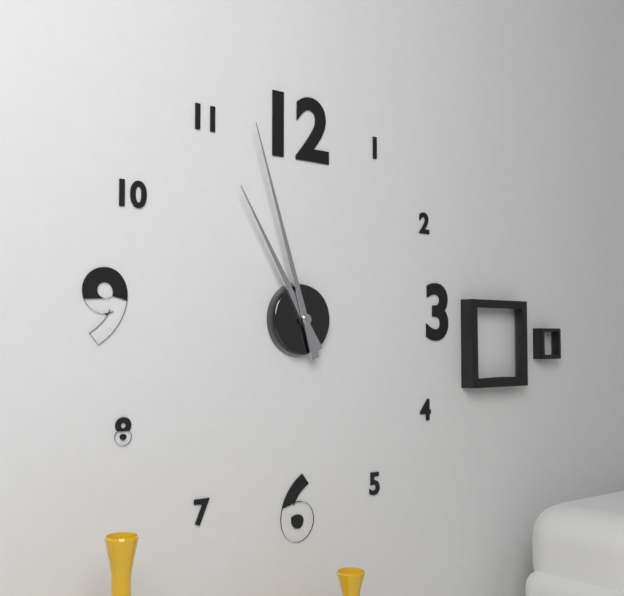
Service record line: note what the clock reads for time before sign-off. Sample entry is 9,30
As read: 10,57
